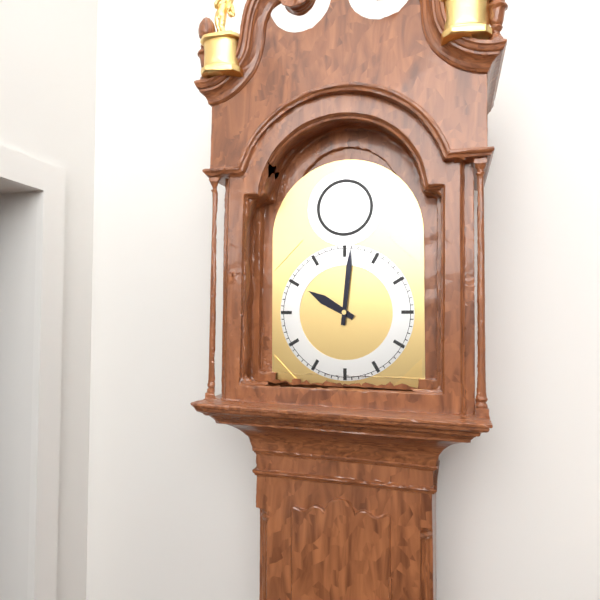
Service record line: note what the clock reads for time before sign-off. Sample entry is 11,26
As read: 10,01
